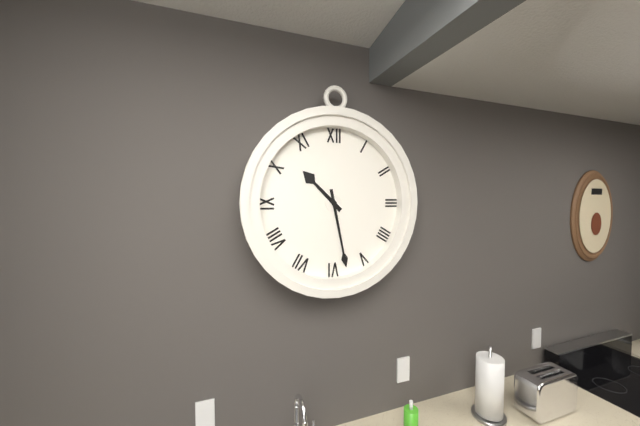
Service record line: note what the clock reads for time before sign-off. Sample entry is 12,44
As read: 10,28
